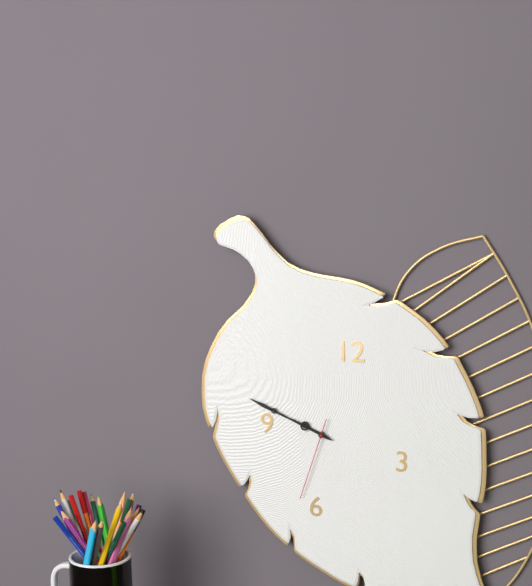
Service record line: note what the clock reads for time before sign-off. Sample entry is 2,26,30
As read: 9,49,33
